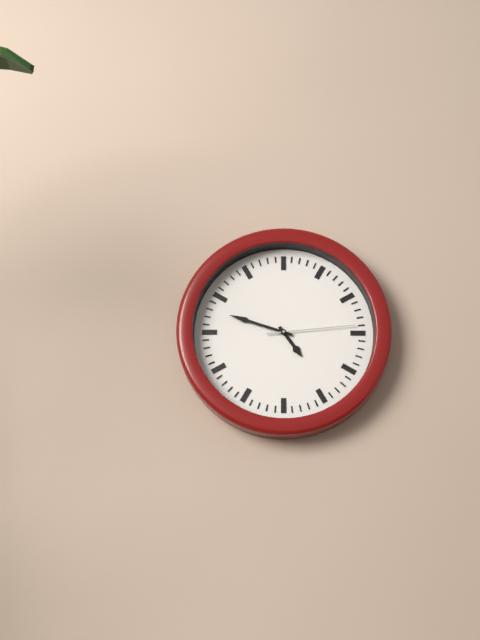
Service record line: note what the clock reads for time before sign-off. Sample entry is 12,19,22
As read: 4,48,14
